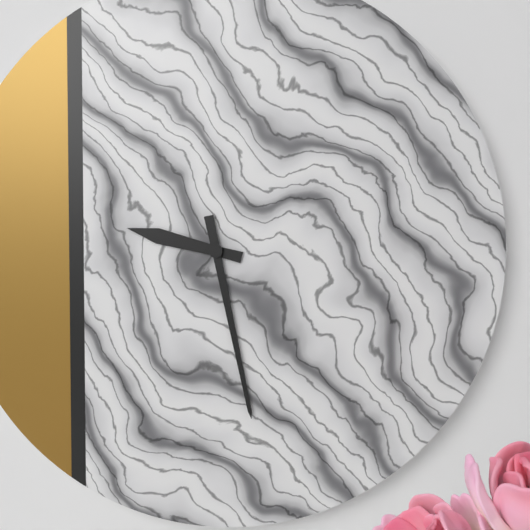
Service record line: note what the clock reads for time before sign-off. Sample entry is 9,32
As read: 9,28
